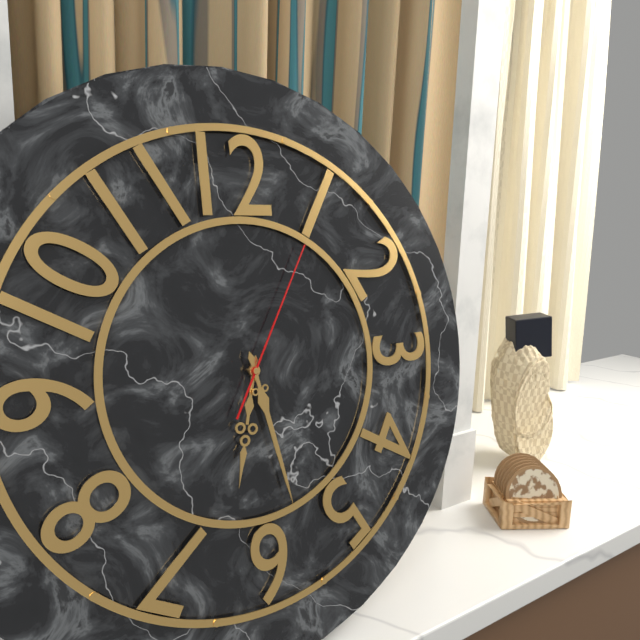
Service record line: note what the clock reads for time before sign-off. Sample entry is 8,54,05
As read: 6,28,05
